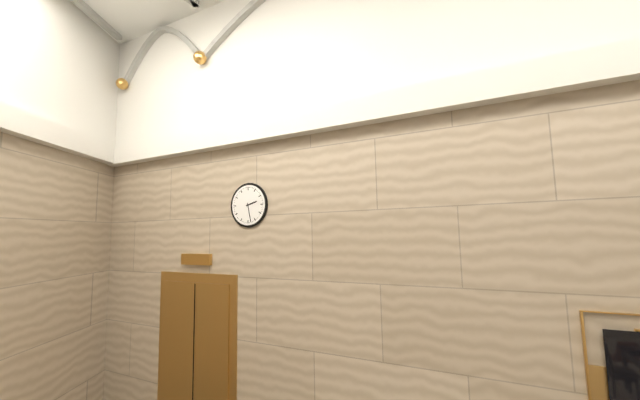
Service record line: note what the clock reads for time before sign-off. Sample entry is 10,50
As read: 2,28
